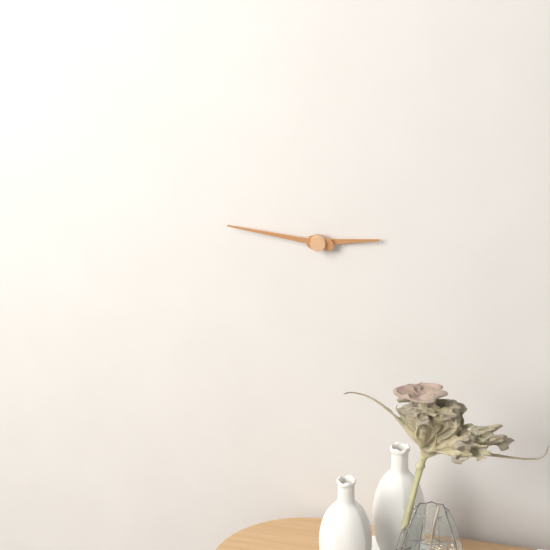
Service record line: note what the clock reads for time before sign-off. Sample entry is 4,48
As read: 2,46
